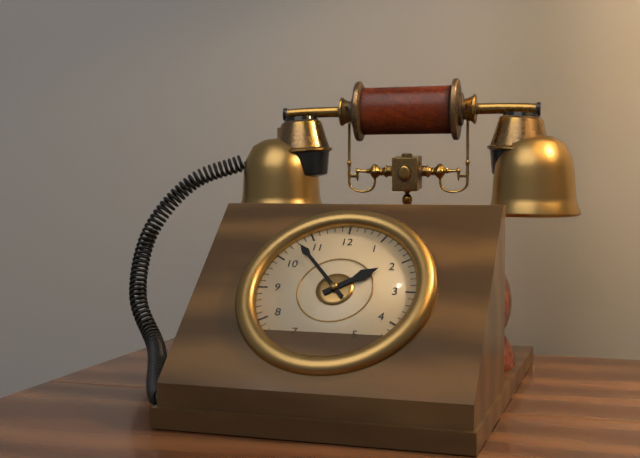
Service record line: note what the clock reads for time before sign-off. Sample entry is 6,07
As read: 1,53
